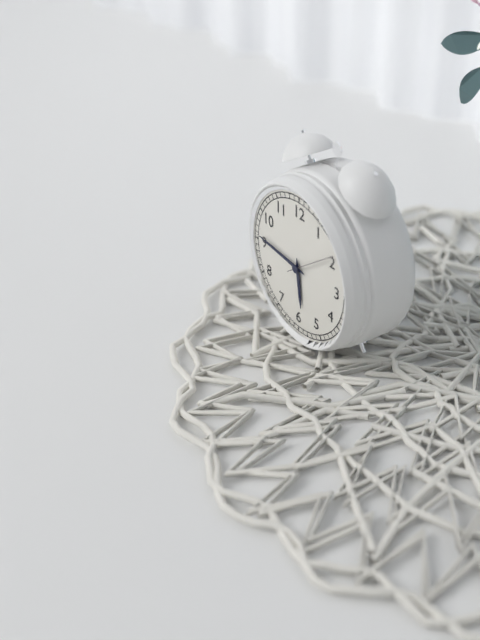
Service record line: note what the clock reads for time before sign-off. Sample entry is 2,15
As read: 5,46
